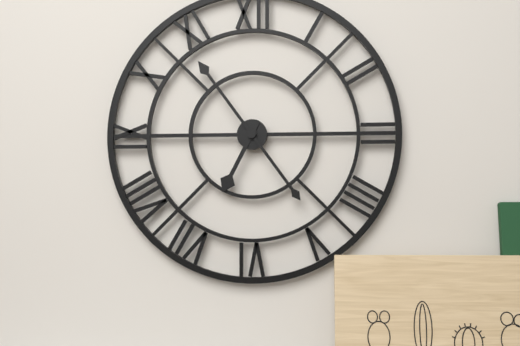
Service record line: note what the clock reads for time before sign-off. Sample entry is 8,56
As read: 6,54
